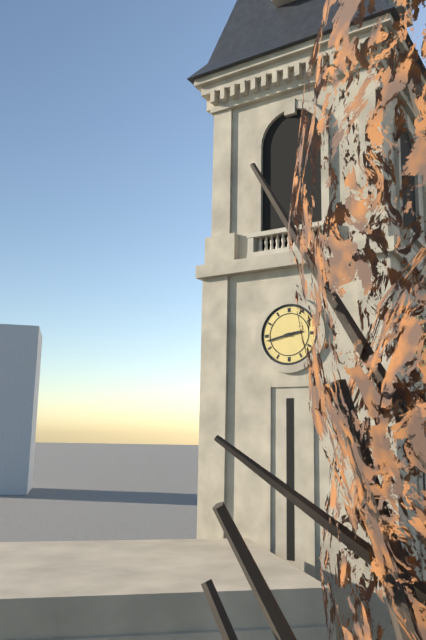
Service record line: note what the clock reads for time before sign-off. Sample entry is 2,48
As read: 2,43
